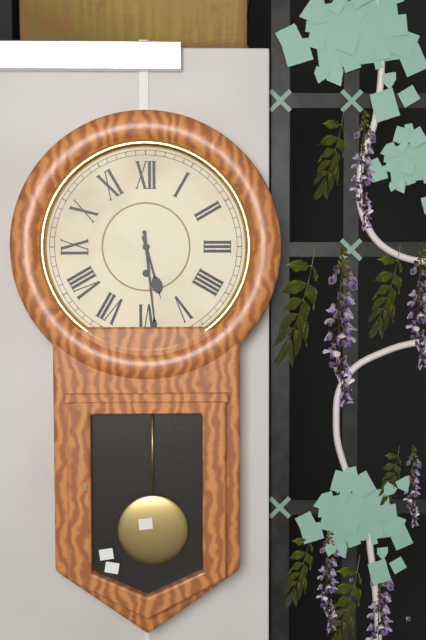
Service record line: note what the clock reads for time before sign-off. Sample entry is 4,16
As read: 5,29
